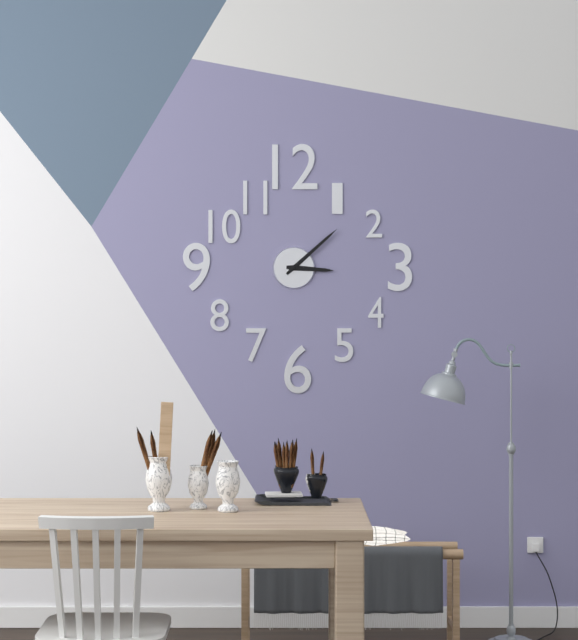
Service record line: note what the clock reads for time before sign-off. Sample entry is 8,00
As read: 3,08
